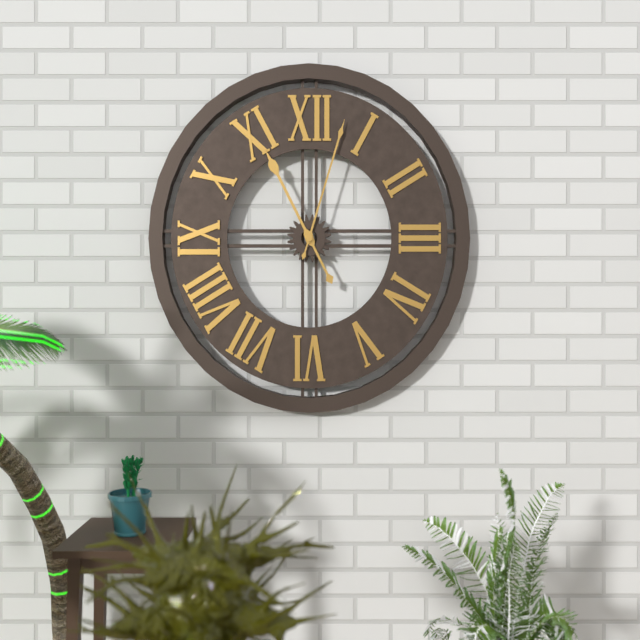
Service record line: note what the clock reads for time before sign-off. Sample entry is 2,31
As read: 11,03
